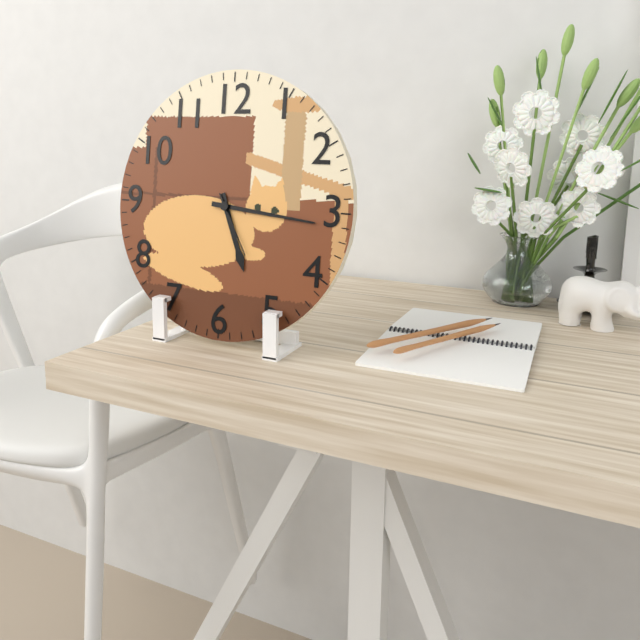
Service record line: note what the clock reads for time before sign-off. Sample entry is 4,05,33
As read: 5,16,25
